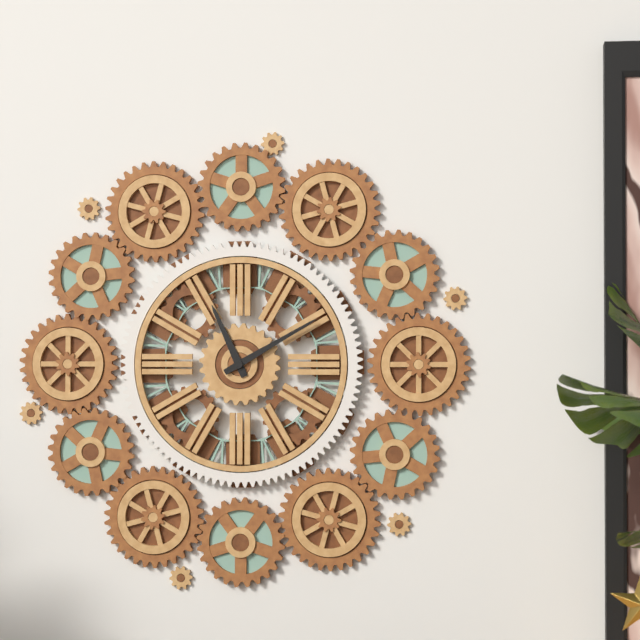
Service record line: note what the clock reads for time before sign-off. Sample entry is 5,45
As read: 11,10
